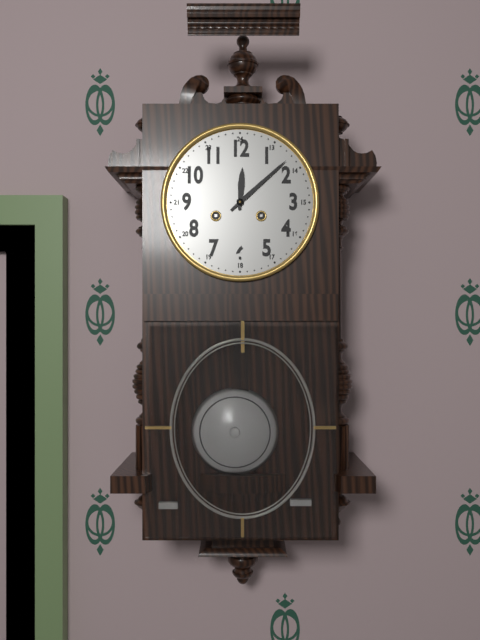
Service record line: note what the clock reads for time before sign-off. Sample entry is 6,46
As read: 12,08
